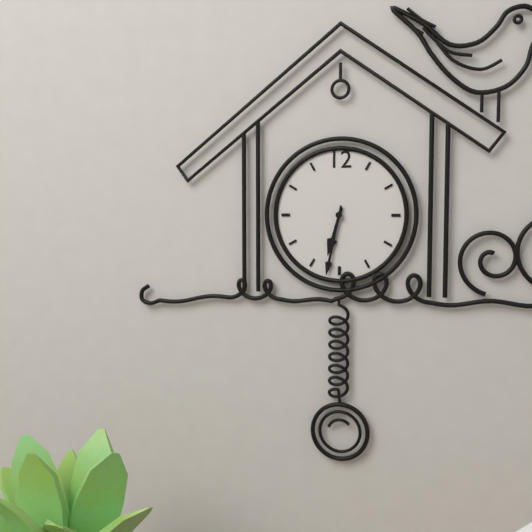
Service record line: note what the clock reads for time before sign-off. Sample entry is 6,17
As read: 6,32
